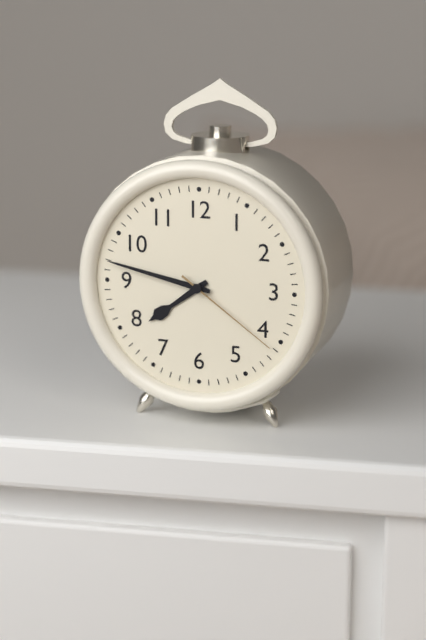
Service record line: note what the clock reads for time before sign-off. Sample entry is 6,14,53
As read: 7,47,21
